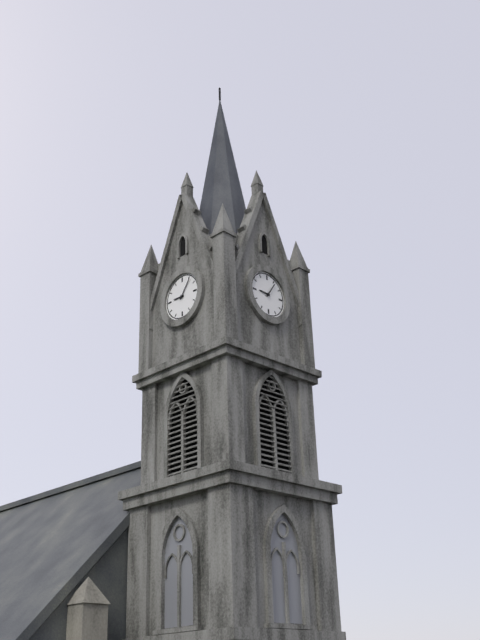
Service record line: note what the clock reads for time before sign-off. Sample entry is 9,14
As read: 9,06
